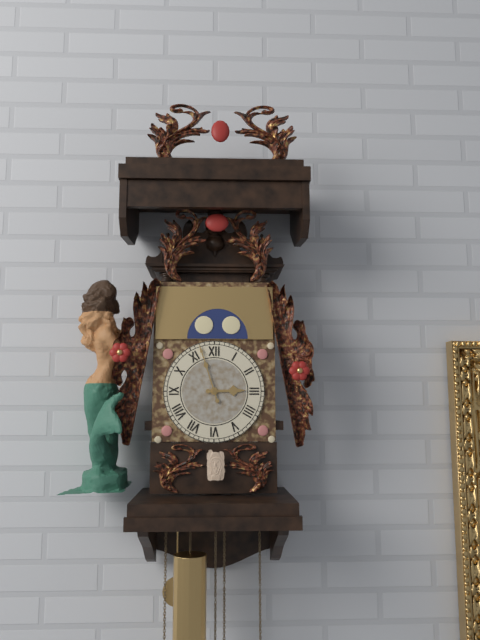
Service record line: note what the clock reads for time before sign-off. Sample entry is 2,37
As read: 2,57
